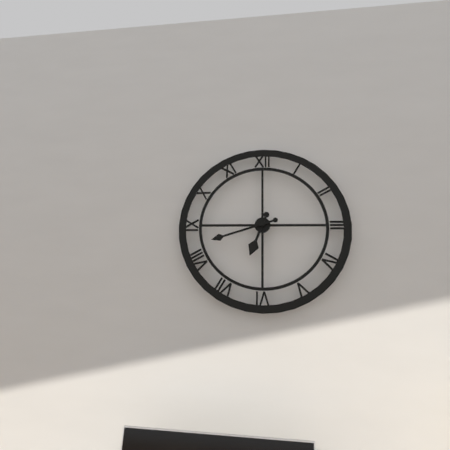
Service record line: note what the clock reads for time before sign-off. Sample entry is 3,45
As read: 6,42
